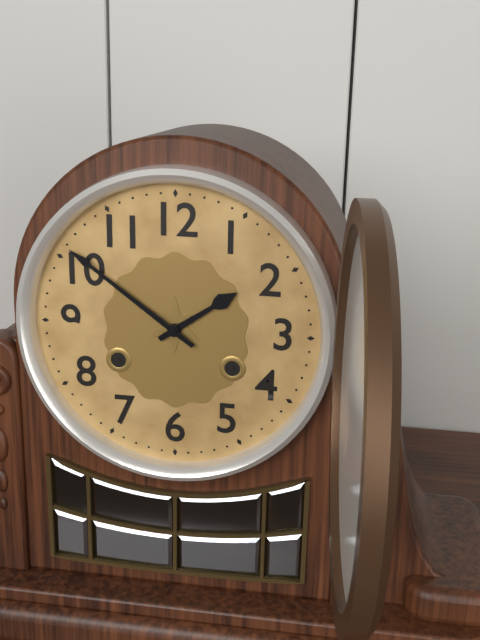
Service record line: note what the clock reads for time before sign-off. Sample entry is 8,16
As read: 1,51
